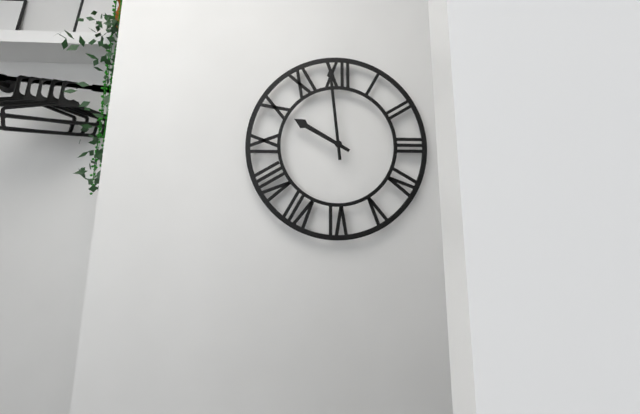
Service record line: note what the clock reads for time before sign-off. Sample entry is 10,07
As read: 9,59
